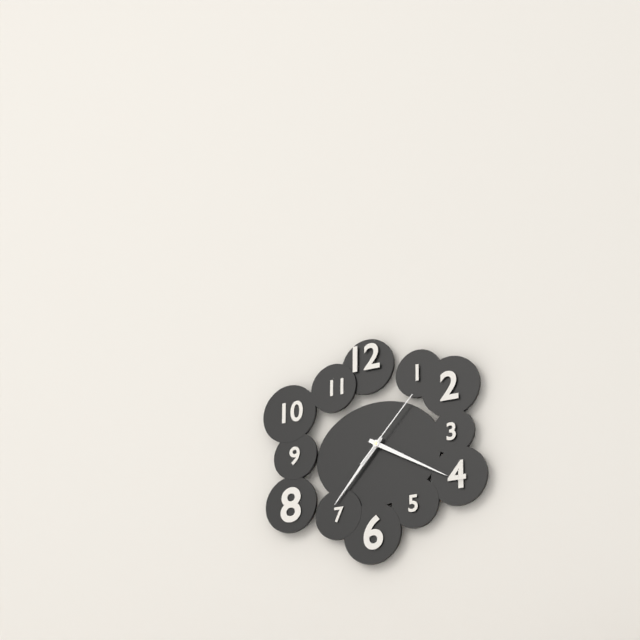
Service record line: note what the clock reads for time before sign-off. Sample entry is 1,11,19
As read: 7,20,07
